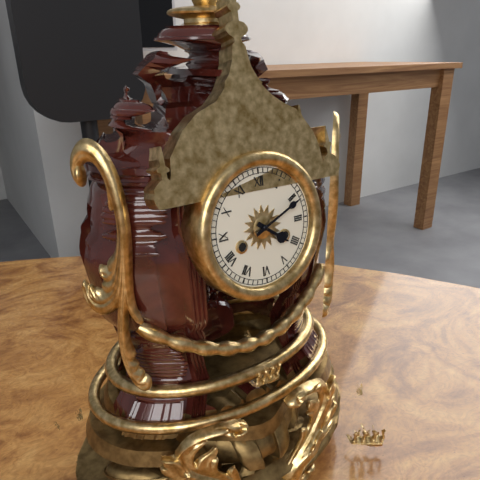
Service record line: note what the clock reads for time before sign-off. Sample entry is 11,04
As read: 4,11
